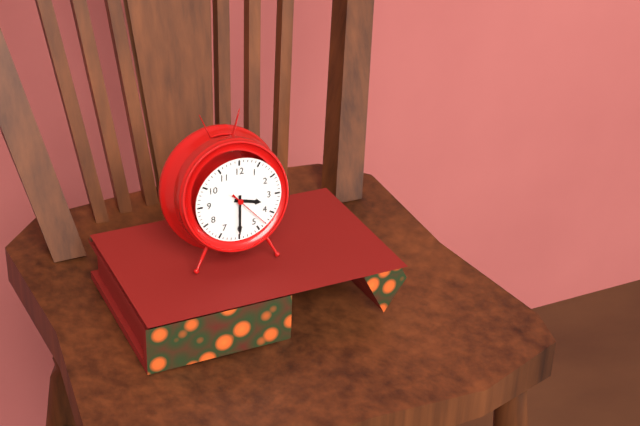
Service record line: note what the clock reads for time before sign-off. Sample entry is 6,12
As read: 3,30
